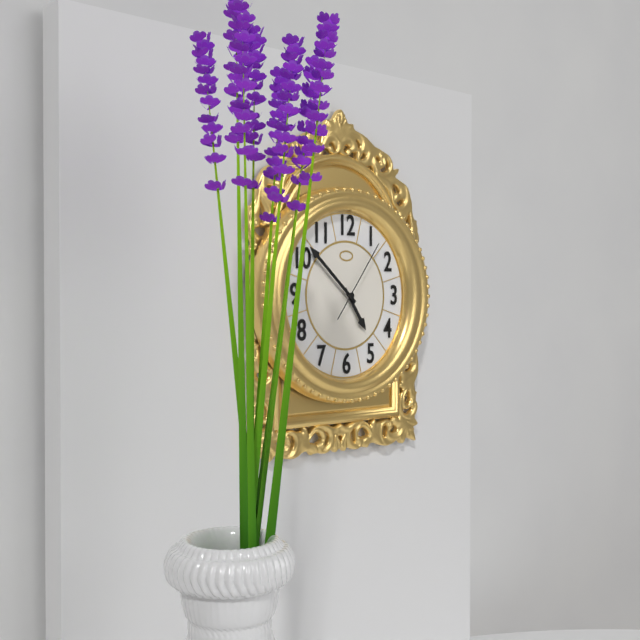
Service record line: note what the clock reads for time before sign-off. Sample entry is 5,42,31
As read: 4,52,06
